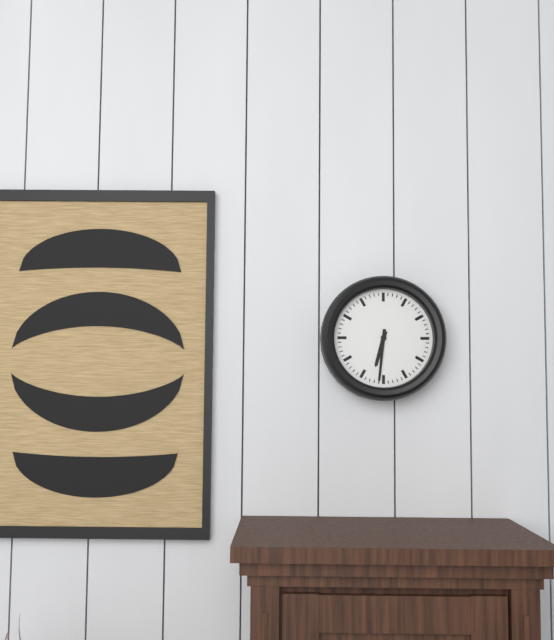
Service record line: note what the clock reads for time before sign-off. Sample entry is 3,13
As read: 6,31
